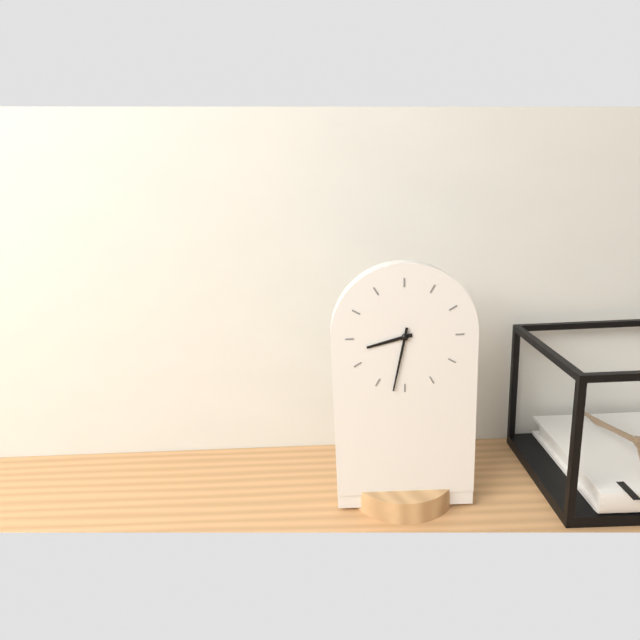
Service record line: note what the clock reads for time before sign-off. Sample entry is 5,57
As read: 8,32
